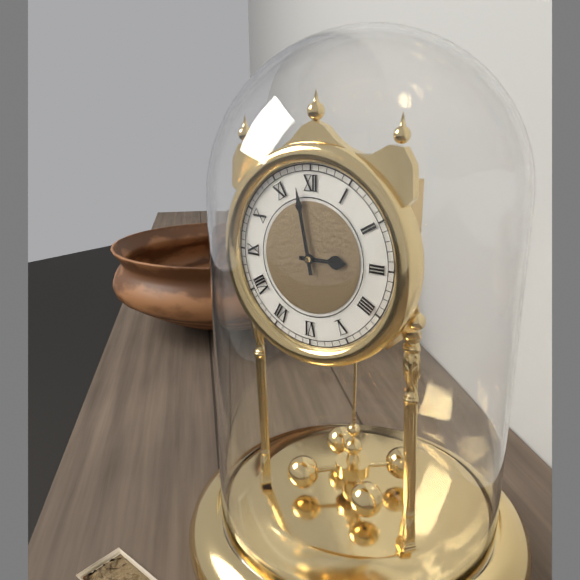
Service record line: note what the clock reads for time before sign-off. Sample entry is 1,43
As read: 2,58
